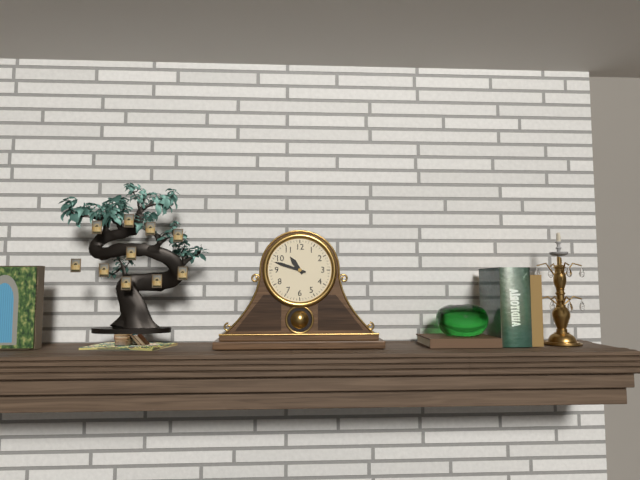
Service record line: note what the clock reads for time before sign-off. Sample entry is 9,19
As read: 10,48
